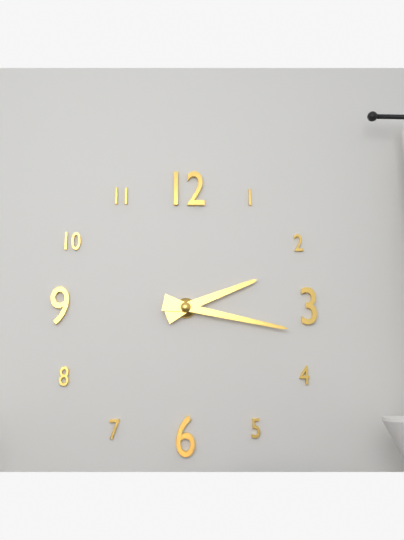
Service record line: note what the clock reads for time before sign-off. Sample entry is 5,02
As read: 2,17
